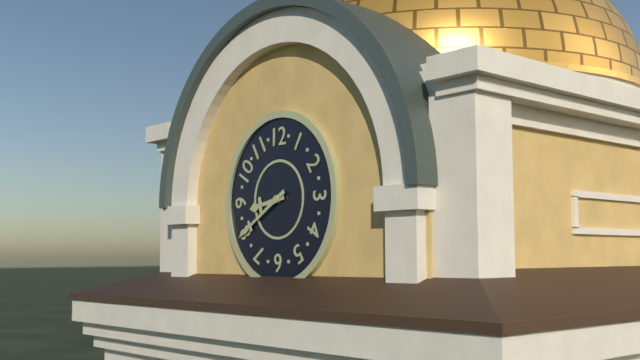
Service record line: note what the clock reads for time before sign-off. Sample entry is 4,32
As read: 8,40
